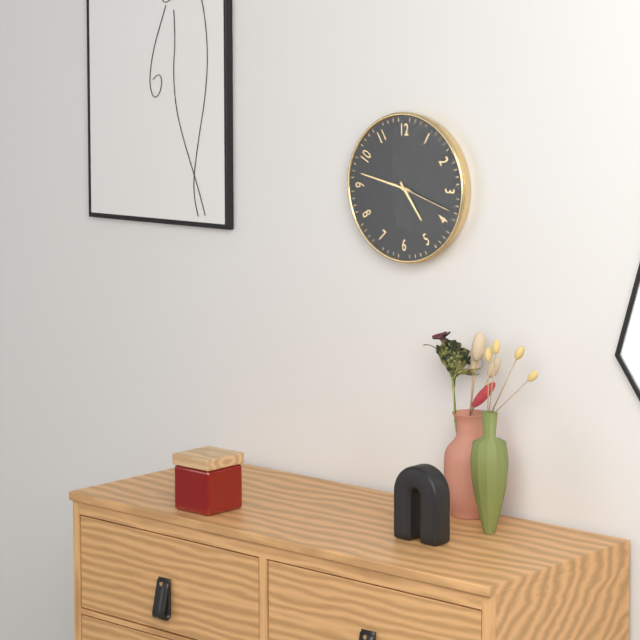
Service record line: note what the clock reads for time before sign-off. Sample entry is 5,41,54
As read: 4,47,18
